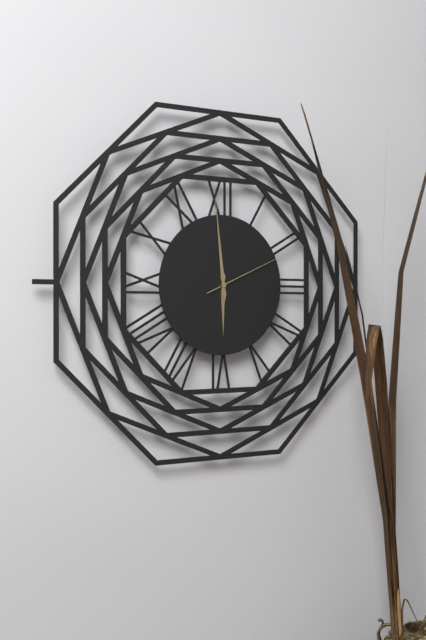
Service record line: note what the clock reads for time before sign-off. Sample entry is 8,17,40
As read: 5,59,11
